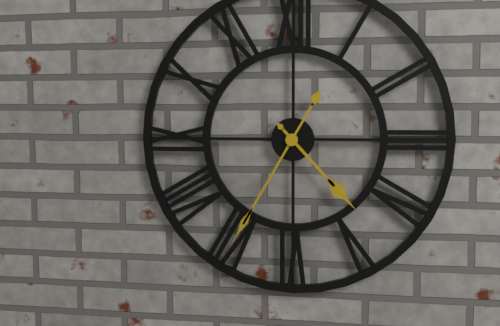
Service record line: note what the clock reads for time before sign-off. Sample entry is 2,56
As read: 4,35
